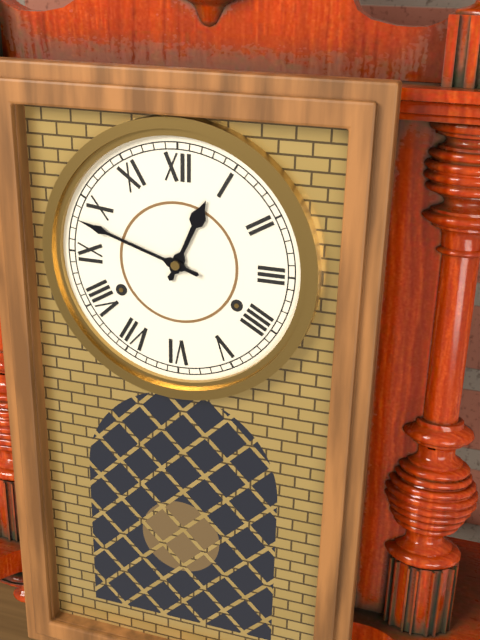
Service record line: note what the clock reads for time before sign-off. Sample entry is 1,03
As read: 12,48
